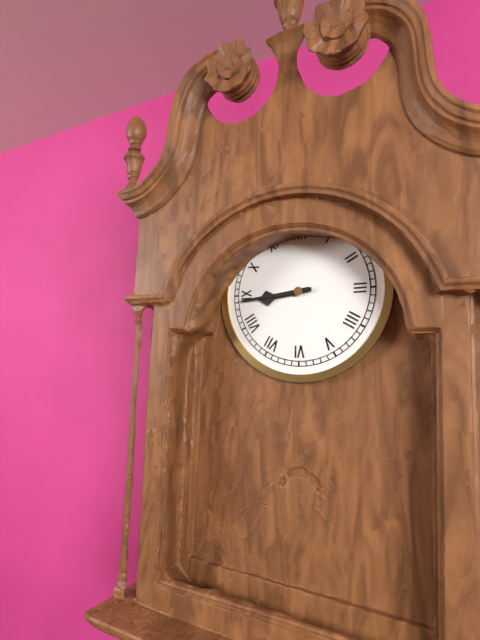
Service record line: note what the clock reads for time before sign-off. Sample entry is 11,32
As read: 8,44
